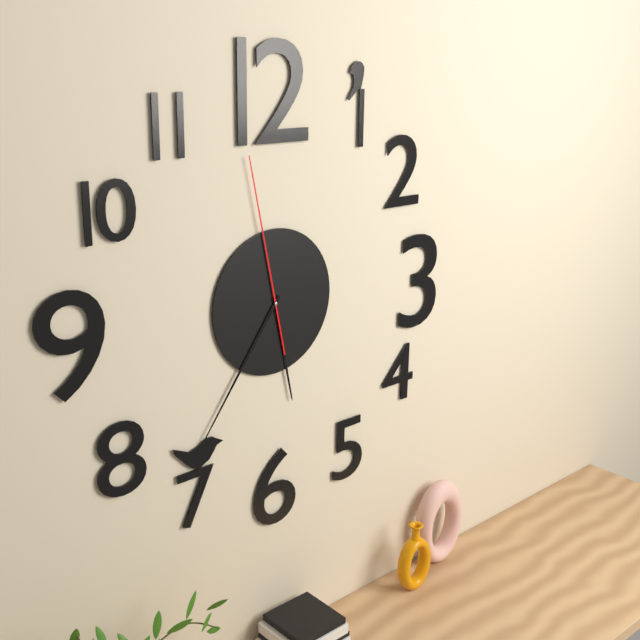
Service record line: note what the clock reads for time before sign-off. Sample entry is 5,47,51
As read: 5,36,58
